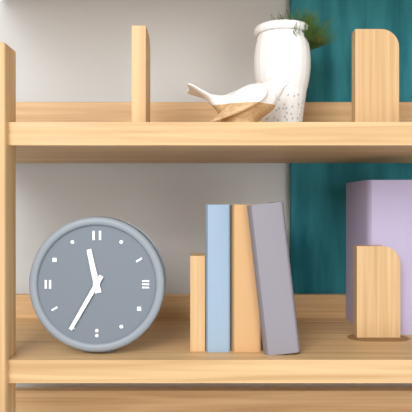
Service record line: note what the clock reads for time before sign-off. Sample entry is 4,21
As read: 11,35
